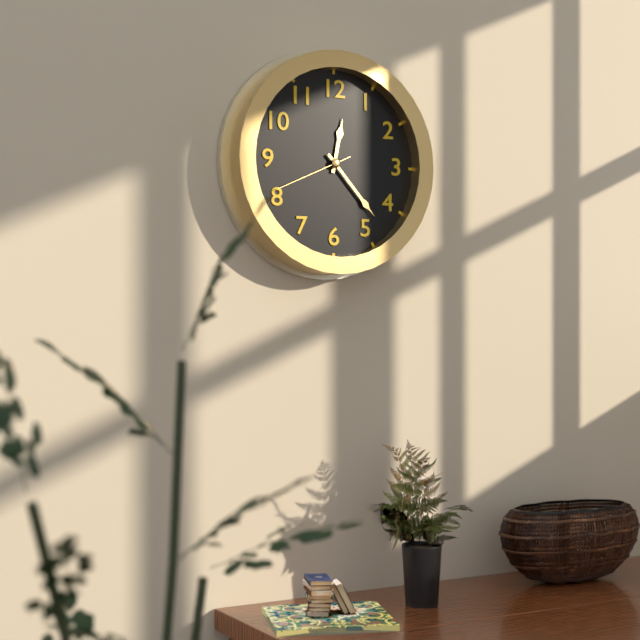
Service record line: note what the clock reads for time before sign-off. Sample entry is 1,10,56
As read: 12,23,41
